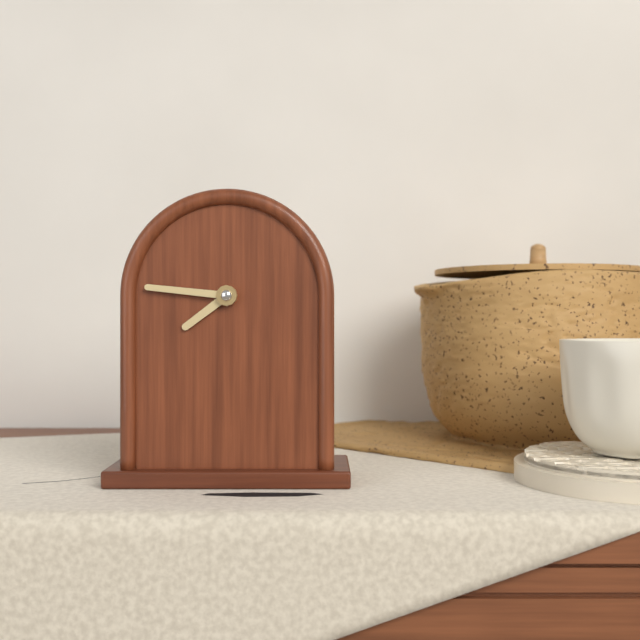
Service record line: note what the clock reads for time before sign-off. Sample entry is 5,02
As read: 7,46
